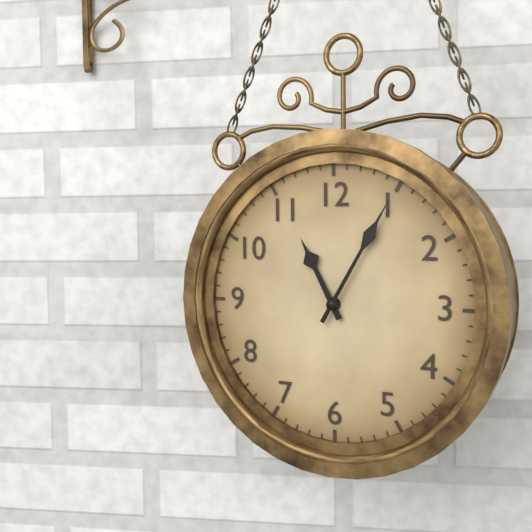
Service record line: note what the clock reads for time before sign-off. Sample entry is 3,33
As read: 11,05
